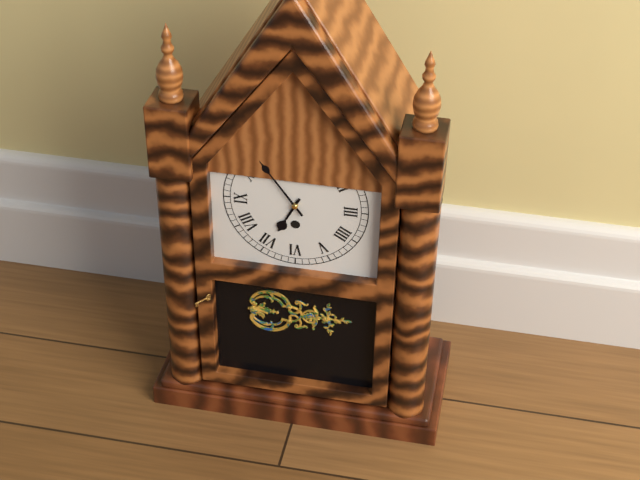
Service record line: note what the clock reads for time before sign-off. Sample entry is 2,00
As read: 6,54
